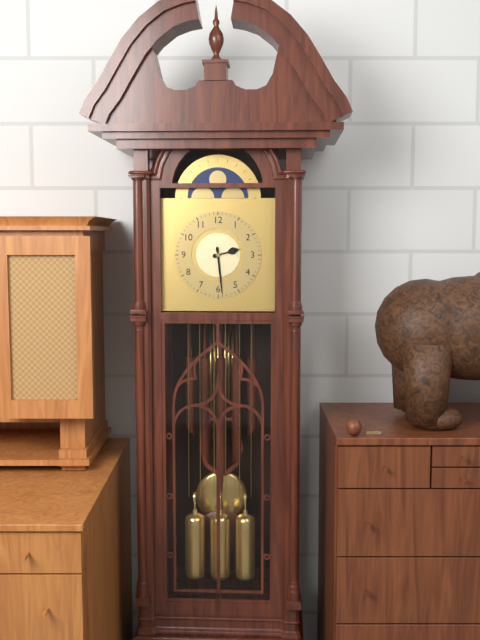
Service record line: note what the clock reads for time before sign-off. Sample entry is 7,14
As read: 2,29
